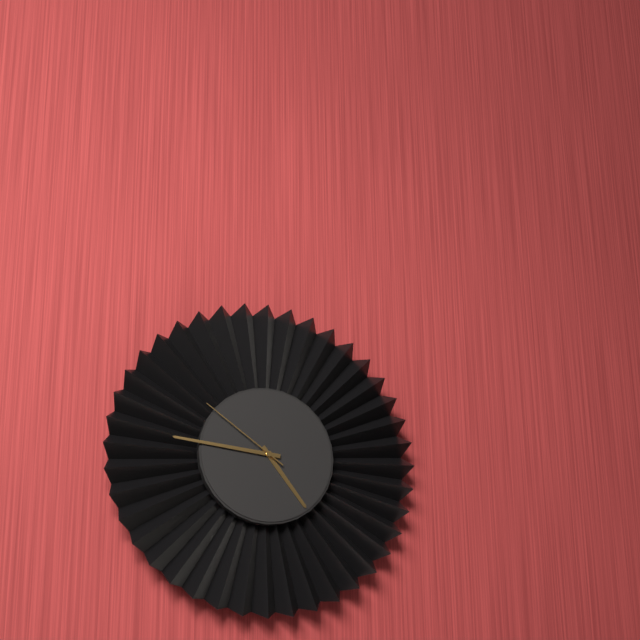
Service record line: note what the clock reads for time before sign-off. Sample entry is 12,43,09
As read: 4,46,51
